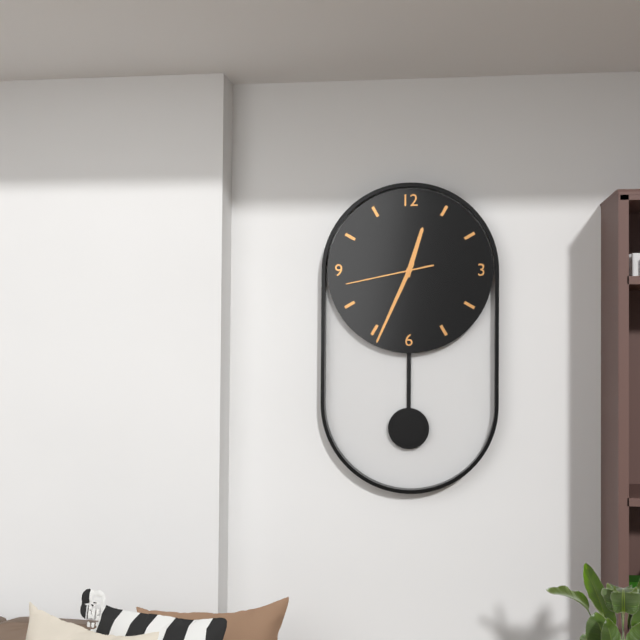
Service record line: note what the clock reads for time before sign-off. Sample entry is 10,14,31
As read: 12,34,43
